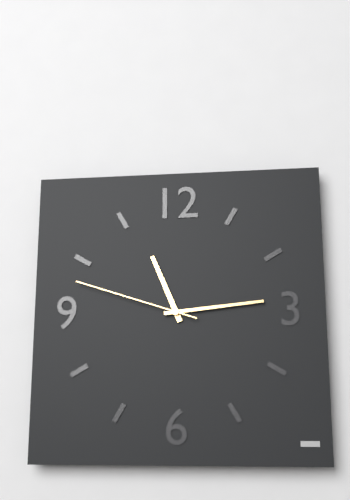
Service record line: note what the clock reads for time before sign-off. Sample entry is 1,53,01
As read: 11,14,48
